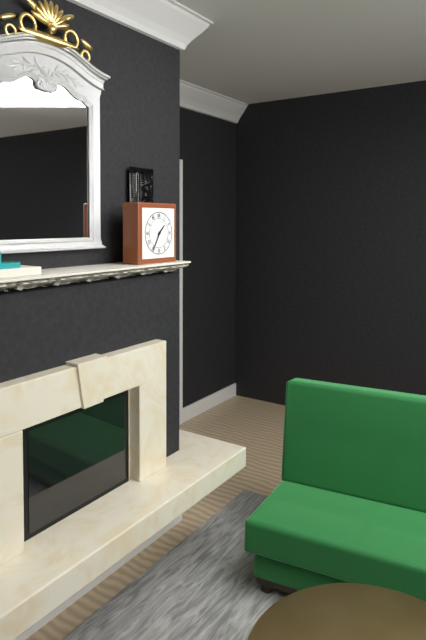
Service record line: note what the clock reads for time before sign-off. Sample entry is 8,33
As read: 1,35
